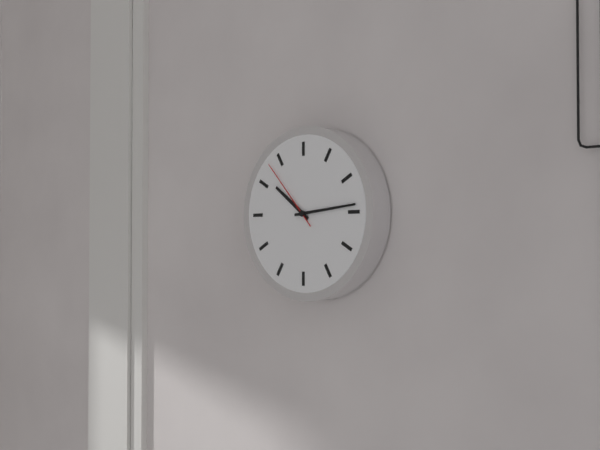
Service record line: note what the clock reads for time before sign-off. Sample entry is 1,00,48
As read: 10,14,53
